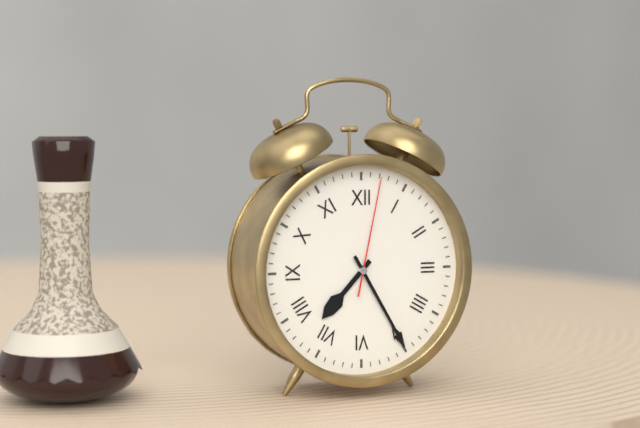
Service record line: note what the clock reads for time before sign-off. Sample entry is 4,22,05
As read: 7,25,02
